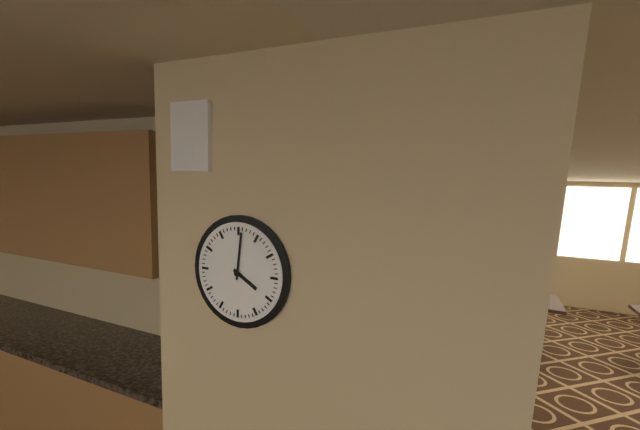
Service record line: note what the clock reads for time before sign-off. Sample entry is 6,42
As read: 4,01
